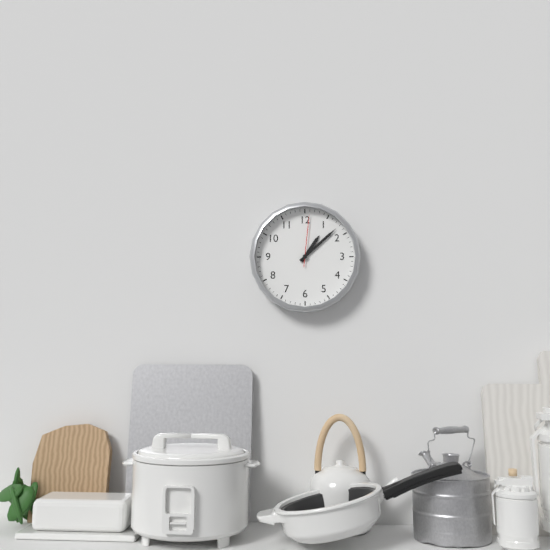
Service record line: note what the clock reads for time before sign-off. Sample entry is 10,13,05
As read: 1,08,01
